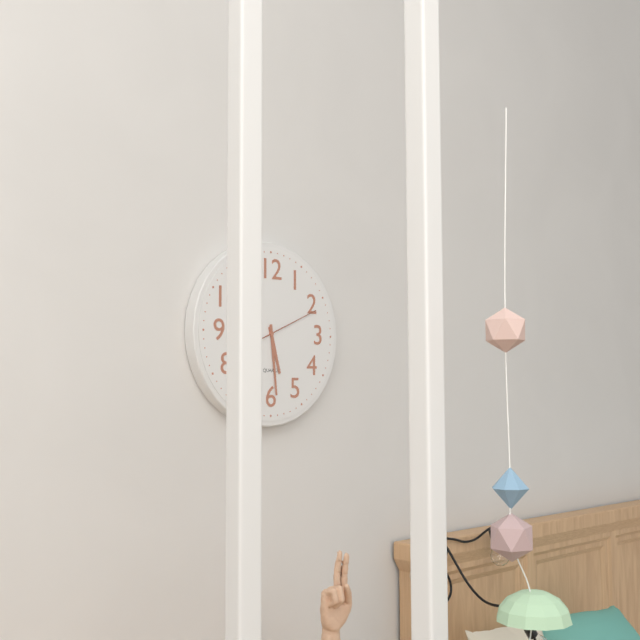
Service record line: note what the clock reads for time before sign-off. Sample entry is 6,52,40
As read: 5,29,11
